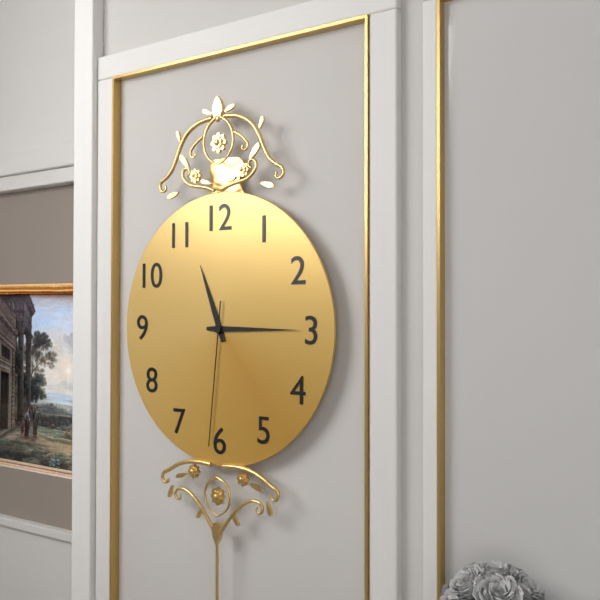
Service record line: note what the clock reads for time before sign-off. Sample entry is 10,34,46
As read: 11,15,31
